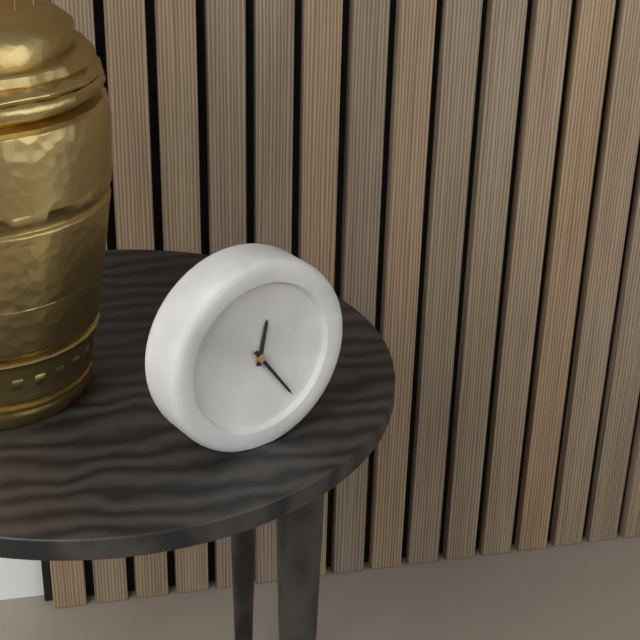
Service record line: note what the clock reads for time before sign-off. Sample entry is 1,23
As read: 12,24
